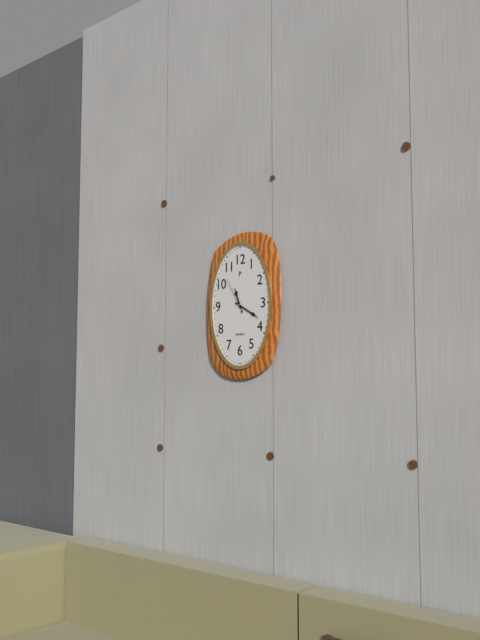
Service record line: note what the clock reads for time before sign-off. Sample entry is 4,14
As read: 11,20
